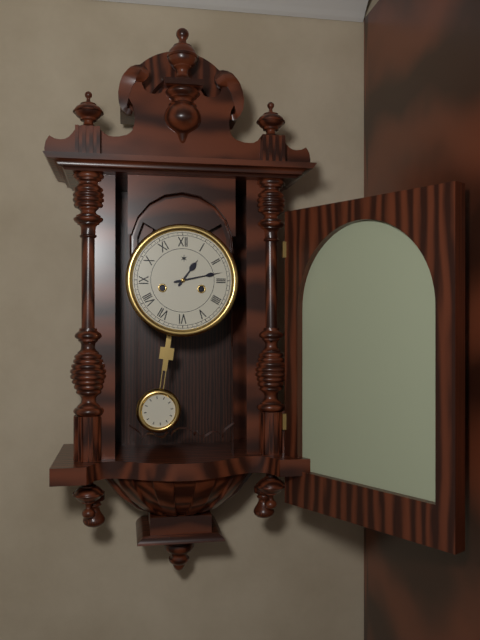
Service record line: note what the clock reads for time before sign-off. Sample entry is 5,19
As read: 1,13
